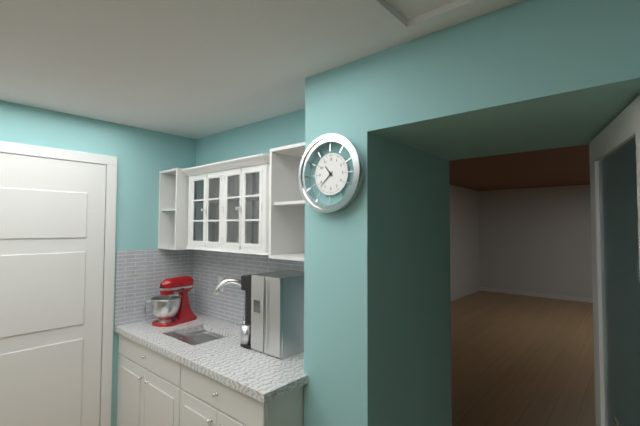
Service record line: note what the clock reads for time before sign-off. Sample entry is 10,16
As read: 10,38
